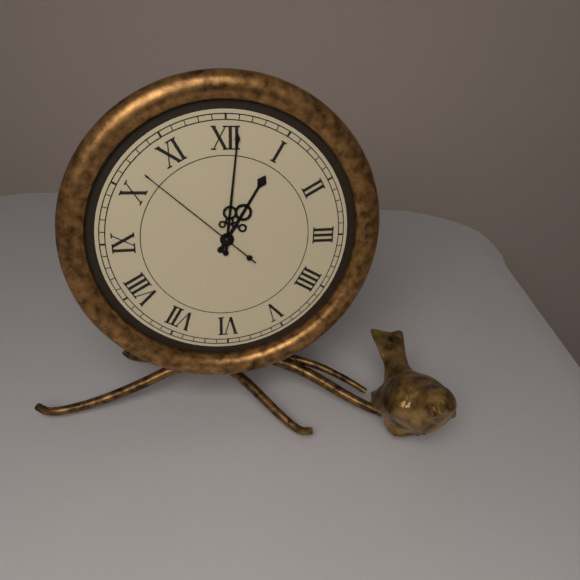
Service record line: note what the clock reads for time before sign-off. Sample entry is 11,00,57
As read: 1,01,52
